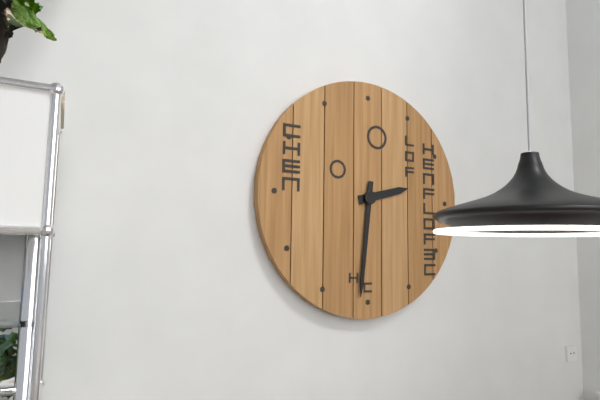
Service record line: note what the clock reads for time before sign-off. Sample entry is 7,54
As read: 2,31
